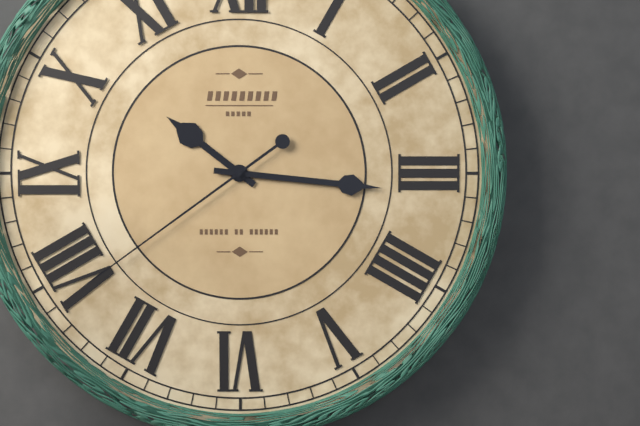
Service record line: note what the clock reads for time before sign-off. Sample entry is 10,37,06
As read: 10,16,39
